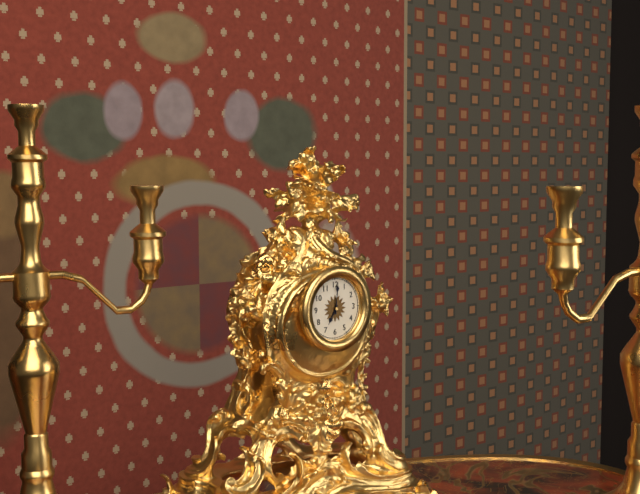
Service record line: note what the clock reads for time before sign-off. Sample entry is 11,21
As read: 7,01
